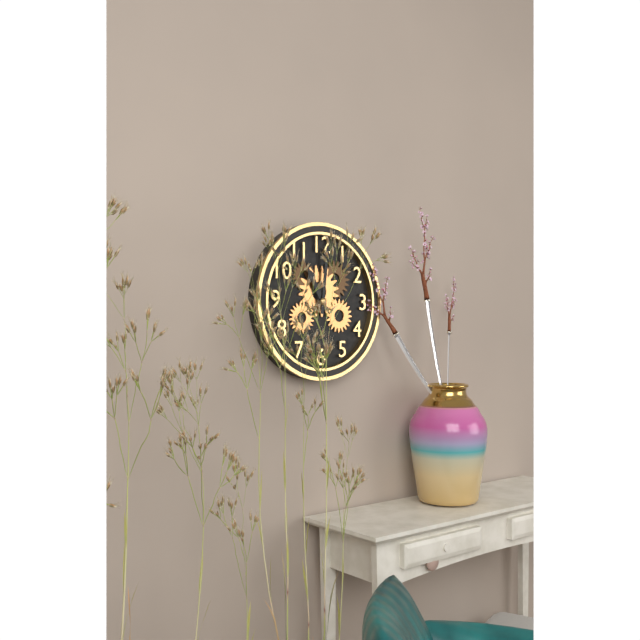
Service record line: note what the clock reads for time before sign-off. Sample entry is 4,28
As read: 11,01
